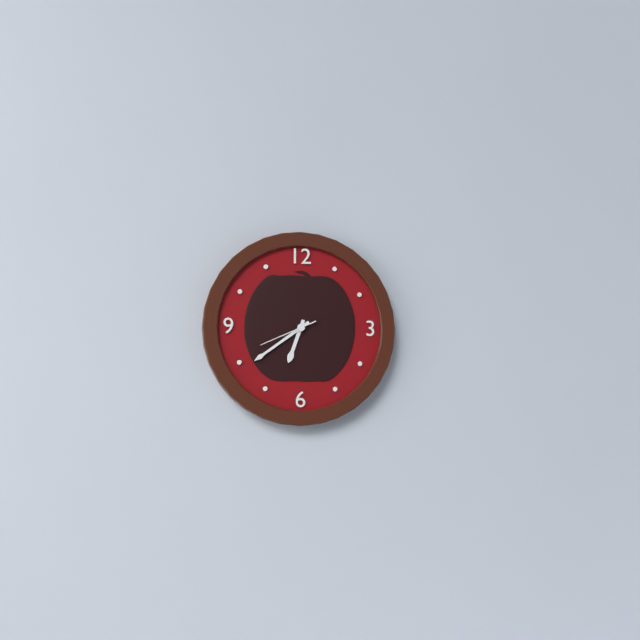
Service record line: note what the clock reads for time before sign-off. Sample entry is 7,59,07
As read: 6,39,41
